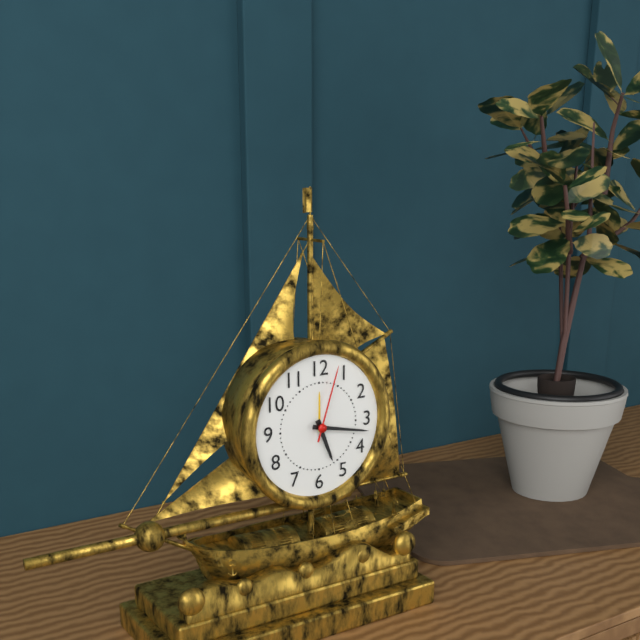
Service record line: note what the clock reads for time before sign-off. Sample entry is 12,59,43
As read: 5,17,03
